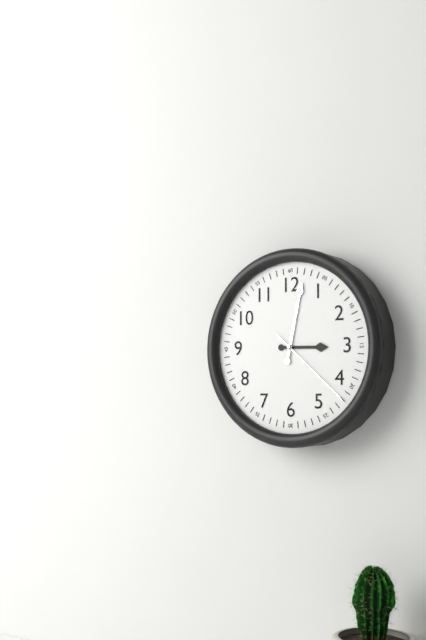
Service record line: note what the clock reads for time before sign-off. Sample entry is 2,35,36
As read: 3,02,22
